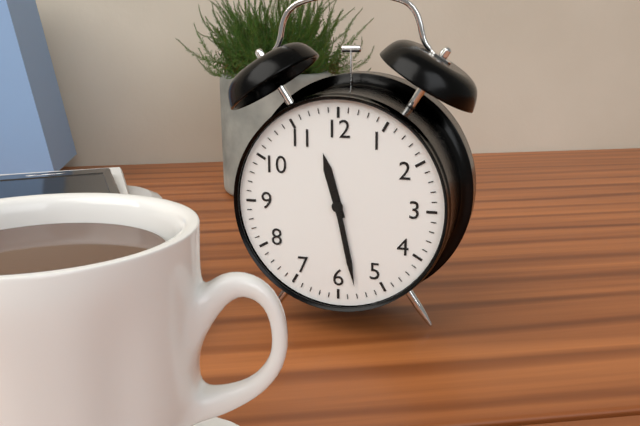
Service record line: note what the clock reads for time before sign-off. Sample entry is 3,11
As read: 11,28
